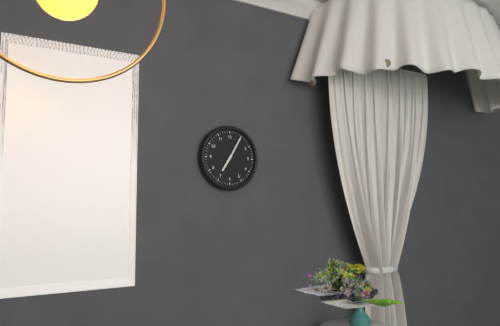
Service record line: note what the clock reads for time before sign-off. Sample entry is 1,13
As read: 7,05
